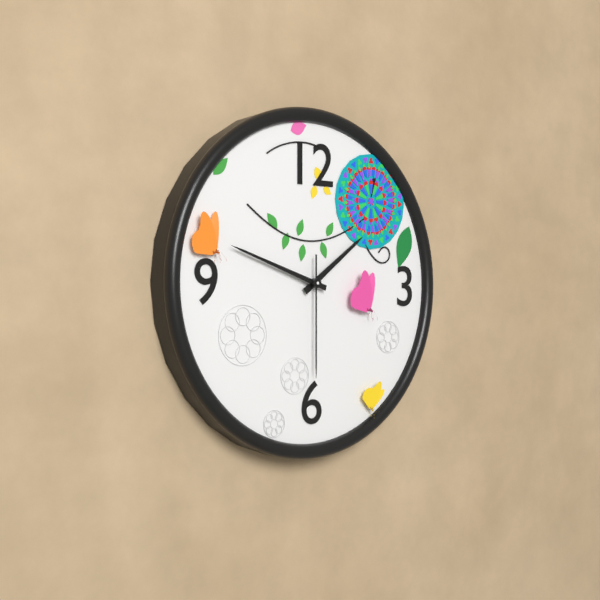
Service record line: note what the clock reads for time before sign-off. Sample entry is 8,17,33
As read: 1,48,30
